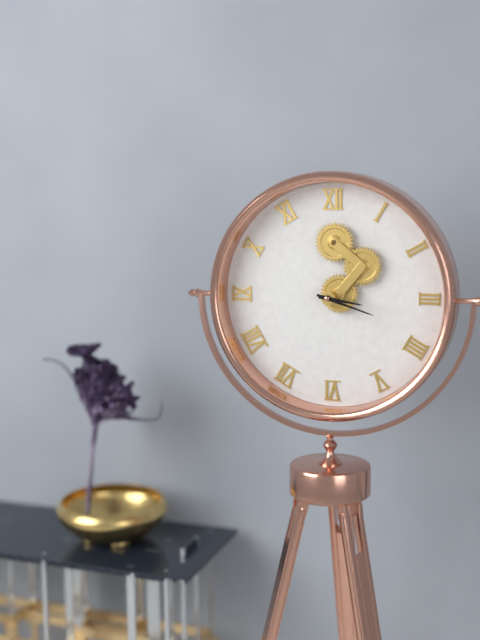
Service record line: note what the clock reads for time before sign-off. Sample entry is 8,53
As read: 3,18
